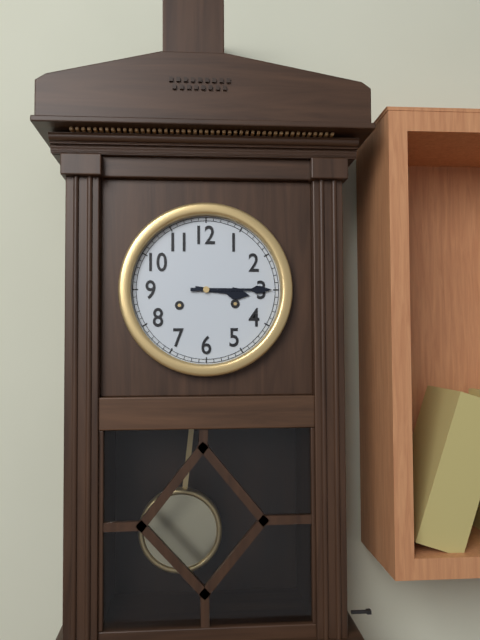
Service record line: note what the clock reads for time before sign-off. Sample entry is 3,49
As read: 3,15
